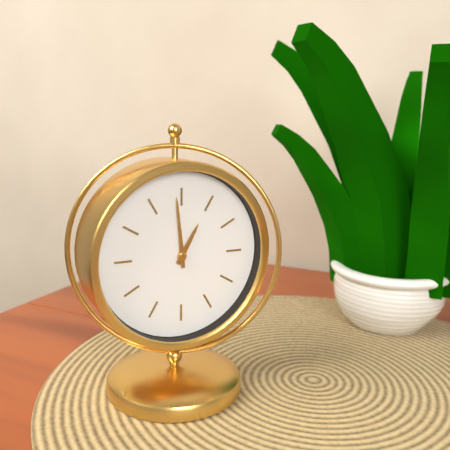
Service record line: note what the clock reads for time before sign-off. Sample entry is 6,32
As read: 12,59
